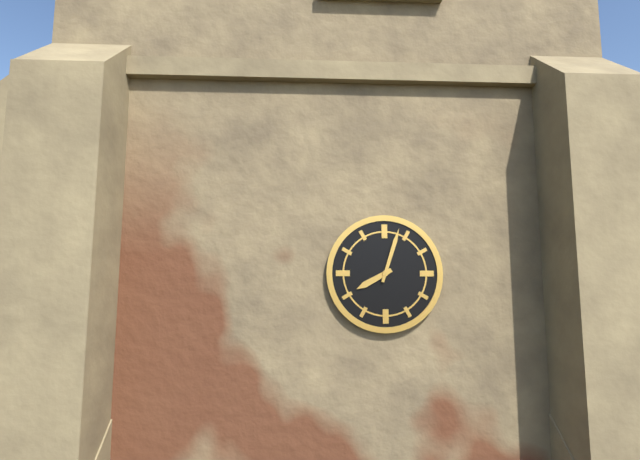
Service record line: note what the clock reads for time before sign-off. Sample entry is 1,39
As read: 8,03
